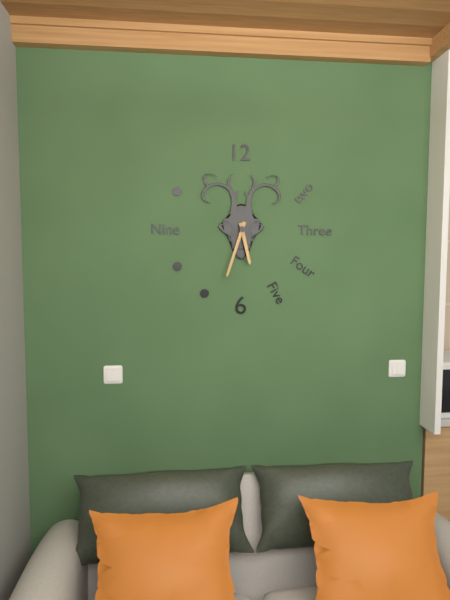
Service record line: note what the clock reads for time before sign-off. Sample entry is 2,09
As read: 5,33
